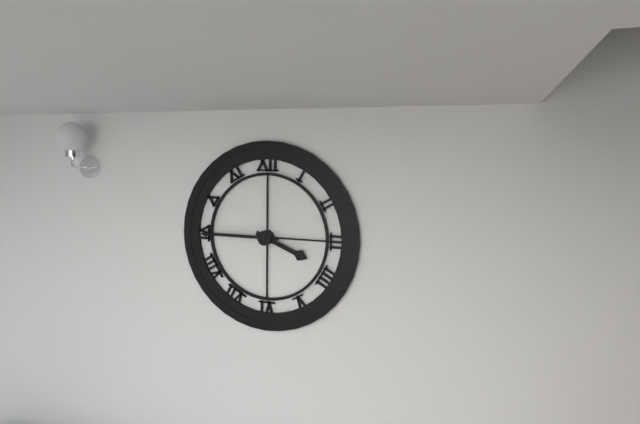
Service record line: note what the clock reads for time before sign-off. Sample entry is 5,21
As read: 3,45
